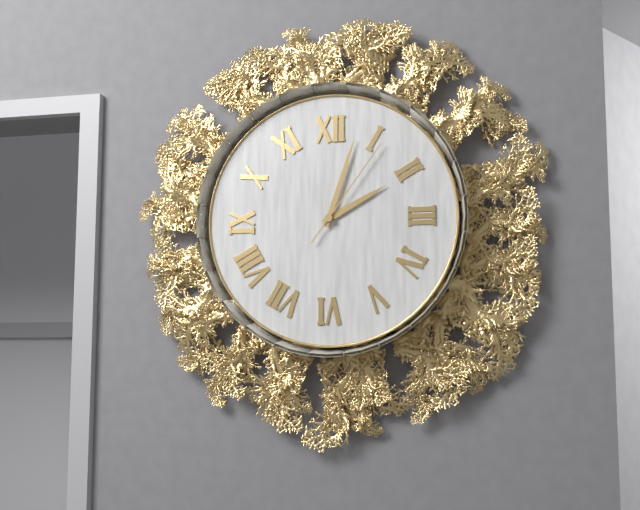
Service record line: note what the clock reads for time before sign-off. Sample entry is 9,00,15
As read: 2,03,06
